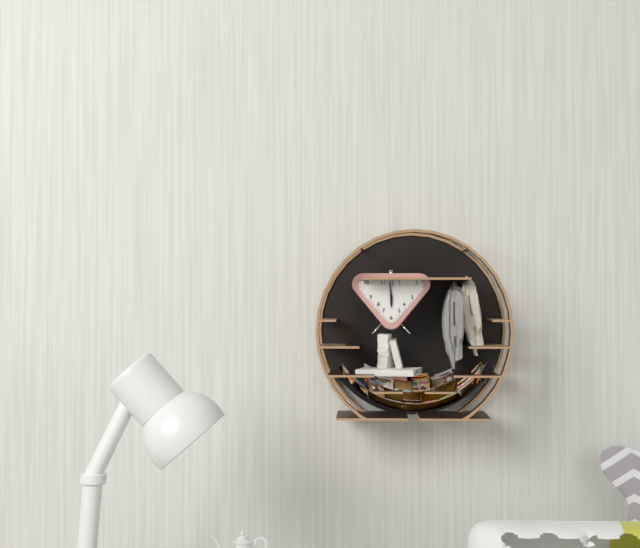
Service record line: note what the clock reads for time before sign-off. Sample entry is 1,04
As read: 5,59
